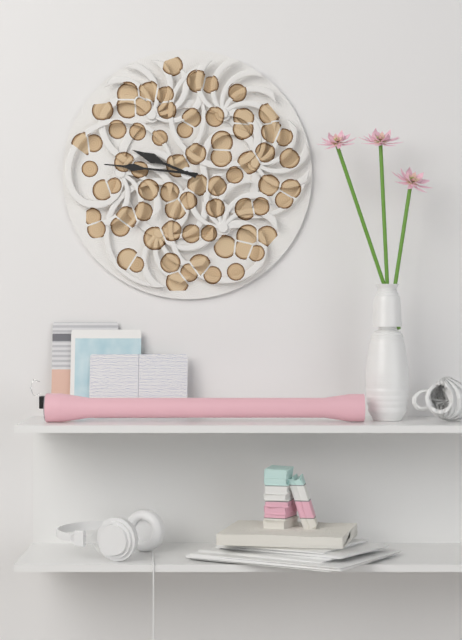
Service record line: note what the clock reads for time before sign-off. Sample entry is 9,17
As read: 9,46
